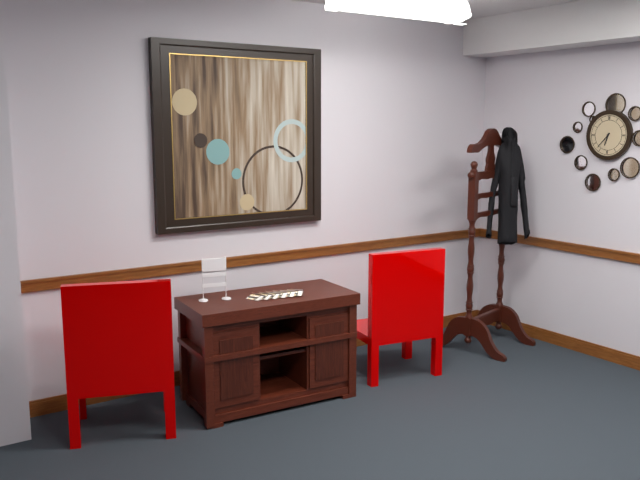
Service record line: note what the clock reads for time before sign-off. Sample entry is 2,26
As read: 6,37
